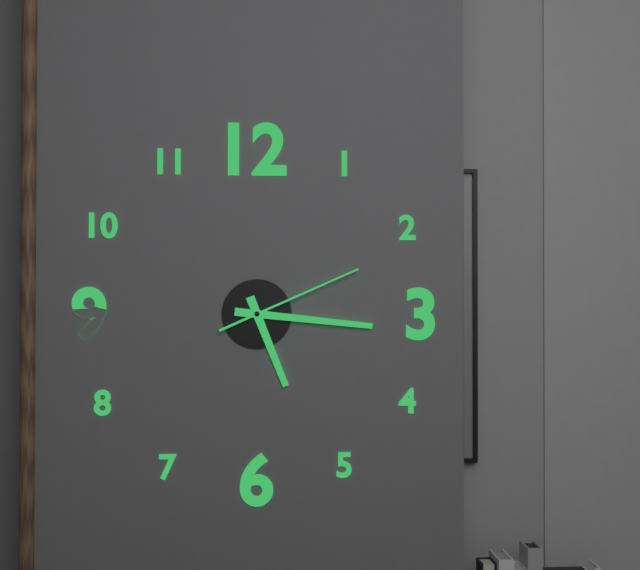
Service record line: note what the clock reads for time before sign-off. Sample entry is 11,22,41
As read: 5,16,11
